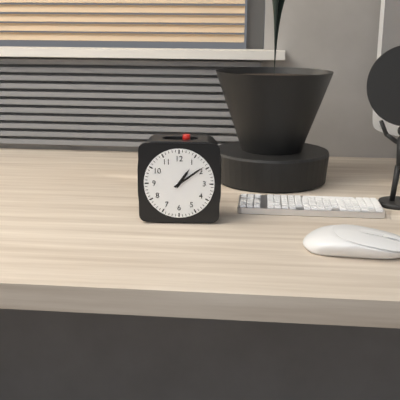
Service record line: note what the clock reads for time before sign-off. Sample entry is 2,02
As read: 1,09
